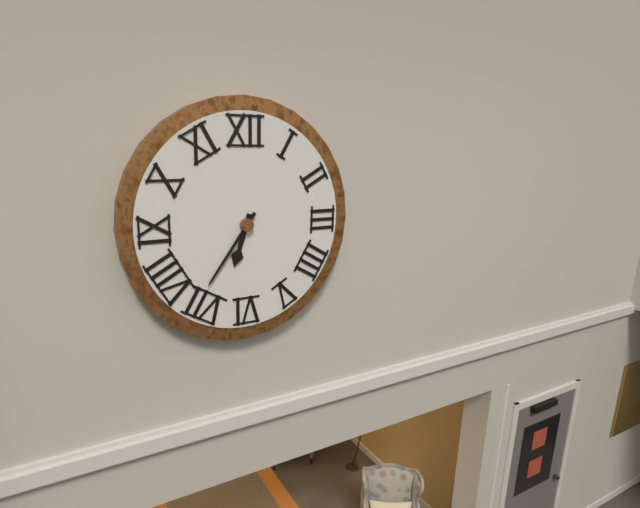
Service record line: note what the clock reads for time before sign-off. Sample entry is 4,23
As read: 6,36
